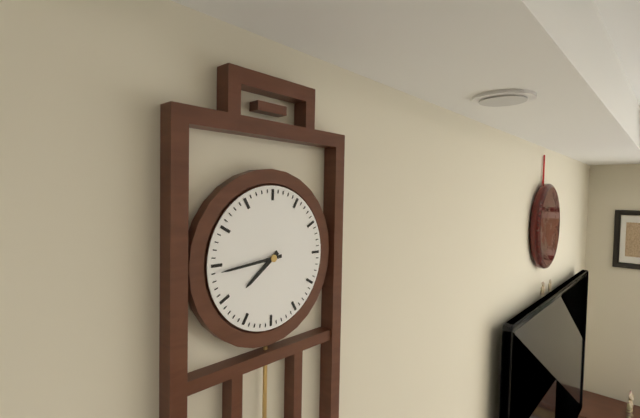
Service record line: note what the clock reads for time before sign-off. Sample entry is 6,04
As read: 7,44
